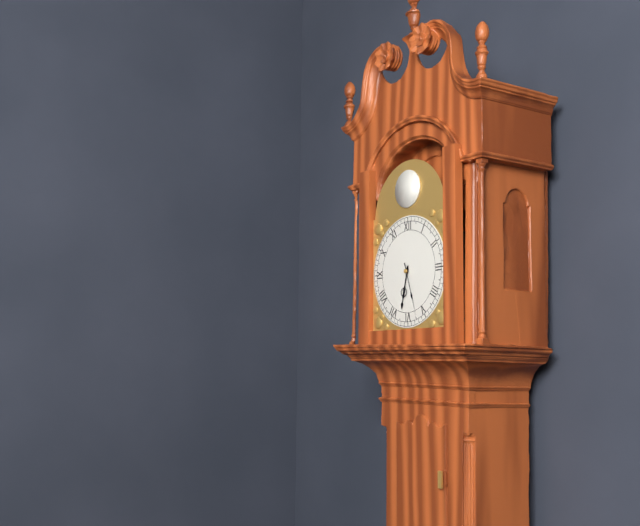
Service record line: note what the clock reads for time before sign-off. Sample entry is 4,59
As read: 6,27
